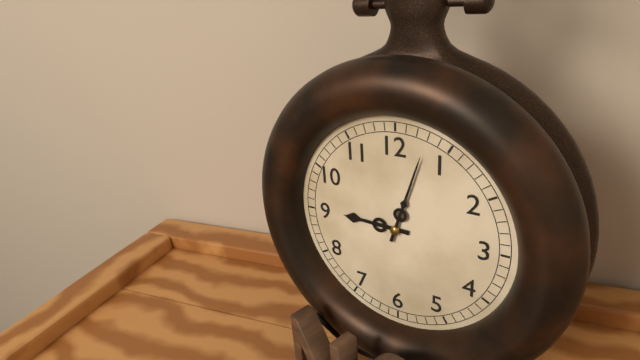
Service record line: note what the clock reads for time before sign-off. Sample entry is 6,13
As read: 9,03
